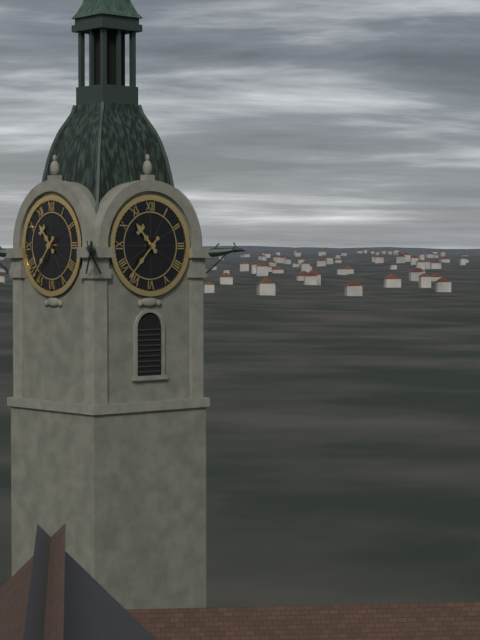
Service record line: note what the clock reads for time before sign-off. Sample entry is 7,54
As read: 10,37
